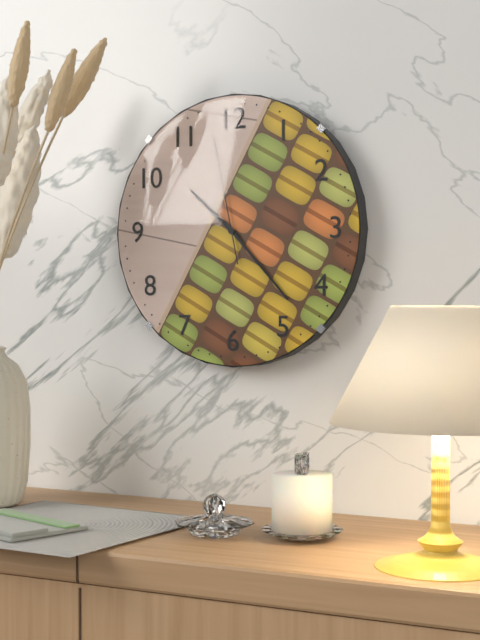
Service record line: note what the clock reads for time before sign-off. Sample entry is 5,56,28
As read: 10,23,58
